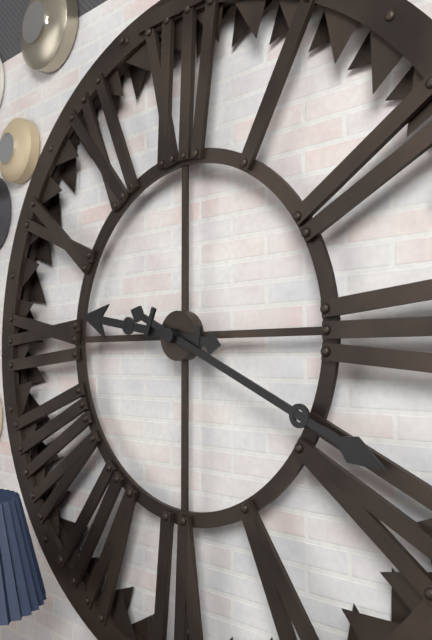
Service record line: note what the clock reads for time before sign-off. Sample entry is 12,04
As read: 9,19
